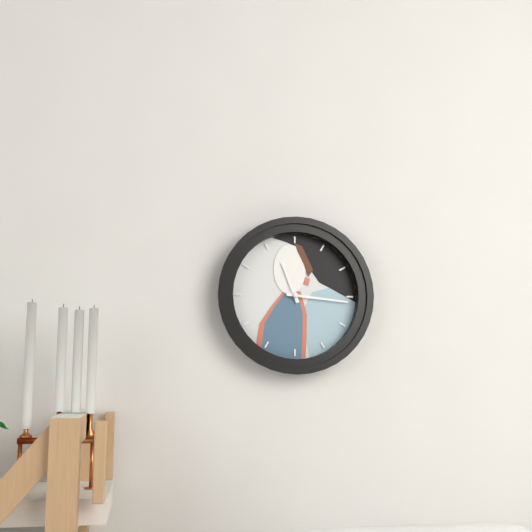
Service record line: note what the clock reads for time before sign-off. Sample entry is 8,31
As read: 11,16
